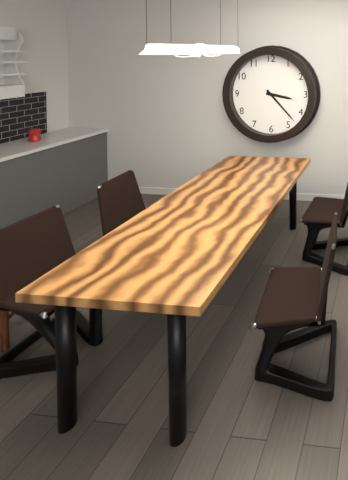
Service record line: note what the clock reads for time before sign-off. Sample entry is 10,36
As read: 3,23
